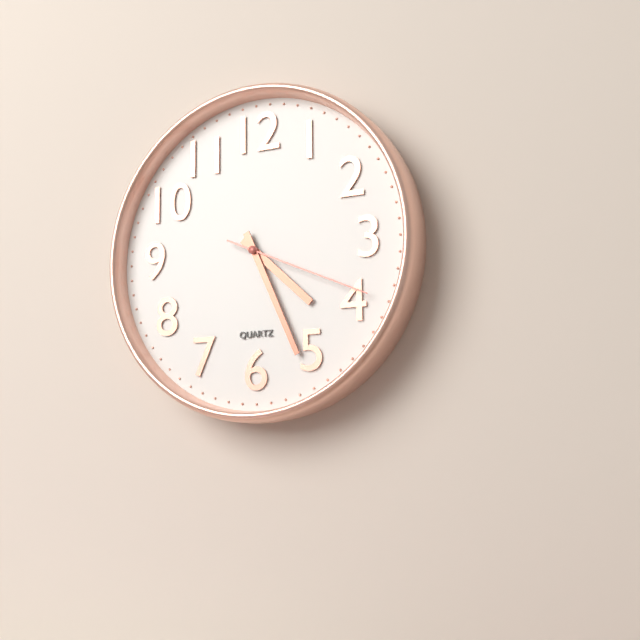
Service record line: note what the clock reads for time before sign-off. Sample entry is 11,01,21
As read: 4,26,19
